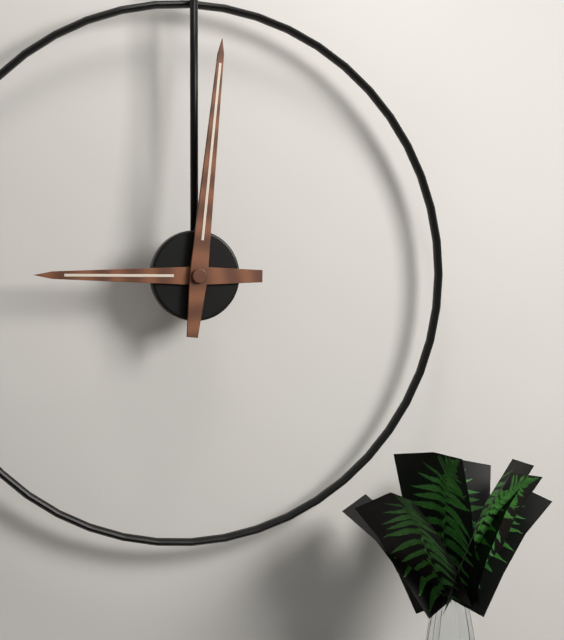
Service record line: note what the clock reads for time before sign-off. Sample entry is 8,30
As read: 9,01
